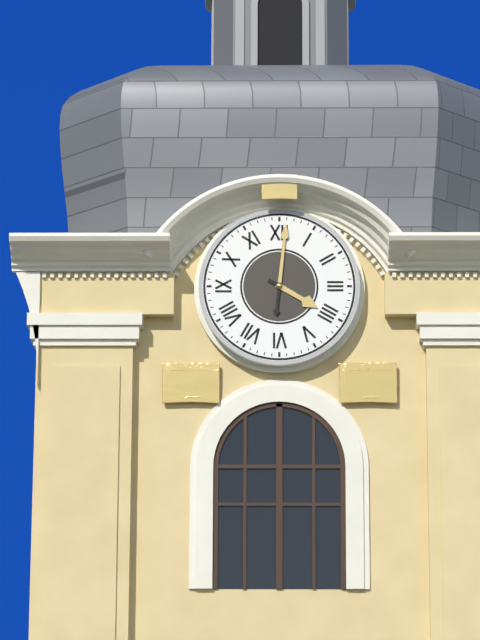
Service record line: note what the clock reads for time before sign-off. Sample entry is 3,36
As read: 4,01
